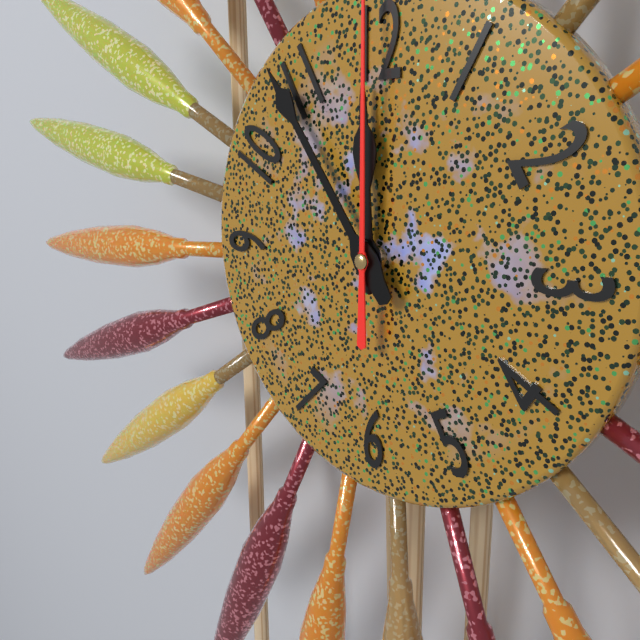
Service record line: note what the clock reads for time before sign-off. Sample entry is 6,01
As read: 11,54
